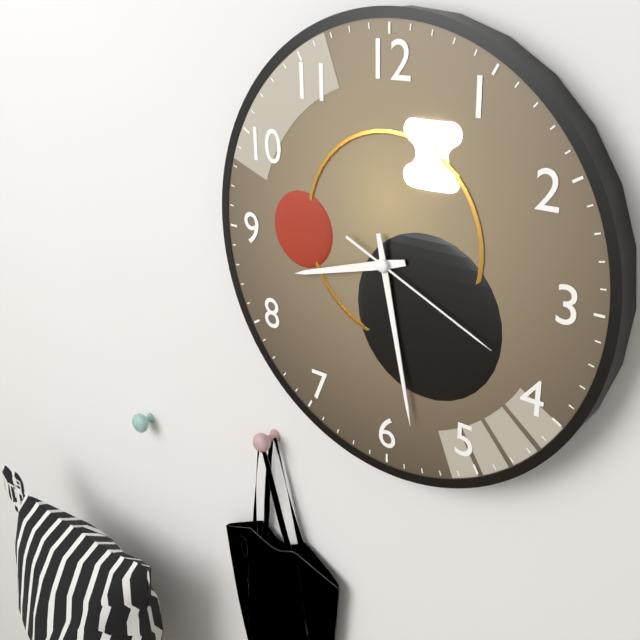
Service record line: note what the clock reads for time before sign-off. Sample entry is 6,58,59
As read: 8,28,19
